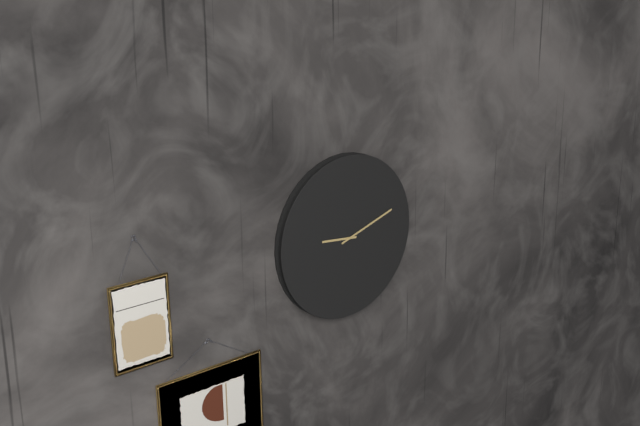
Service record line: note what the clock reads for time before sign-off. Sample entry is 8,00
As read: 9,12
